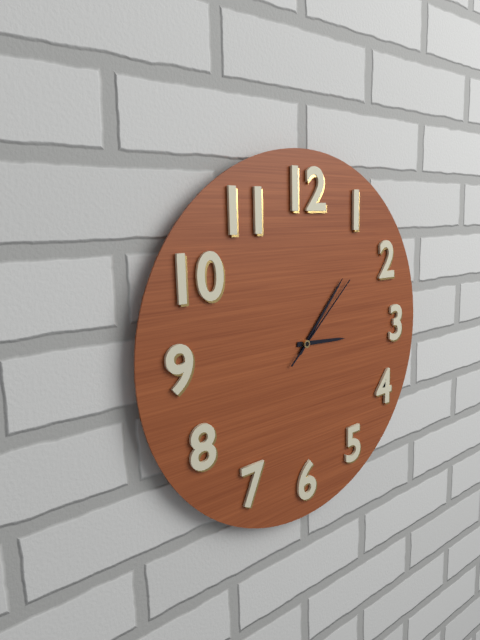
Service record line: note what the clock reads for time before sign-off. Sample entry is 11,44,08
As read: 3,07,08
